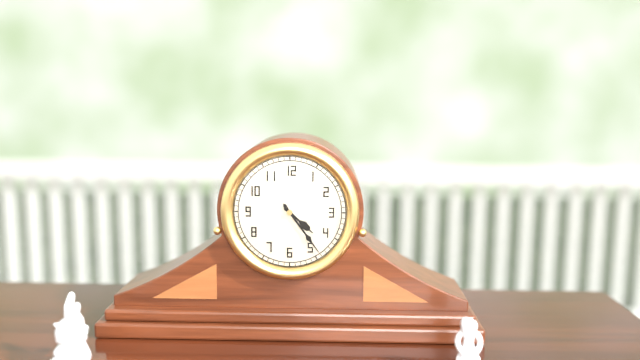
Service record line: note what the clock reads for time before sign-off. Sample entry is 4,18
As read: 4,24
